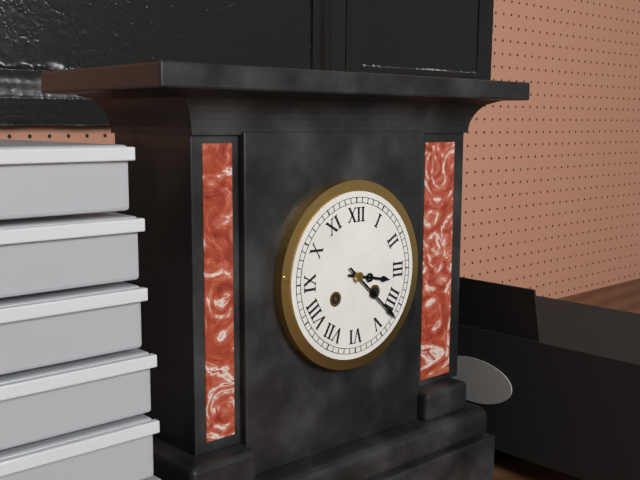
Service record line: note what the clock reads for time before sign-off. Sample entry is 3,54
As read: 3,22
